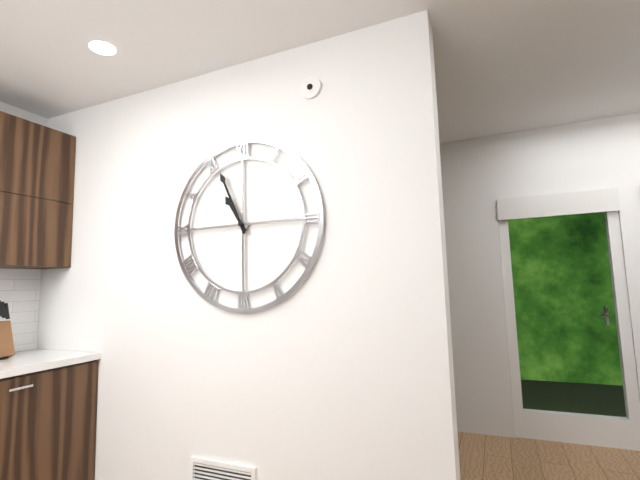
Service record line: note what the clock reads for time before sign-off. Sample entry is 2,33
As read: 10,56
